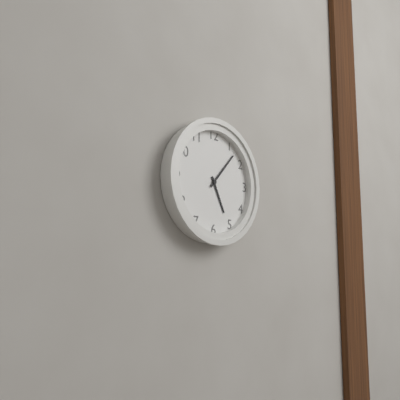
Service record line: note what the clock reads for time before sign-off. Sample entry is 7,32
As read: 5,07
